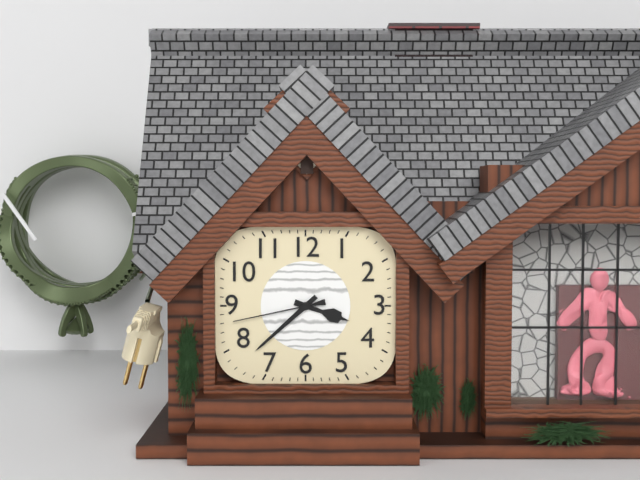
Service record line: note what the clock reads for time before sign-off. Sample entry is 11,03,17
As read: 3,38,43
